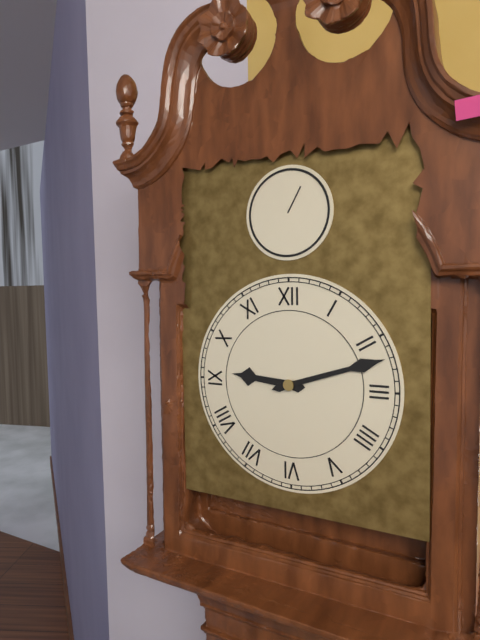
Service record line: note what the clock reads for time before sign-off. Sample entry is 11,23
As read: 9,12
